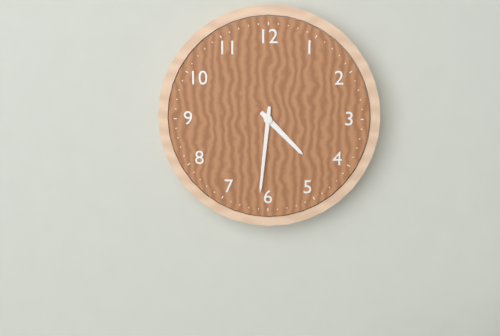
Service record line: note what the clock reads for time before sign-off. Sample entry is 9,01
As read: 4,31
